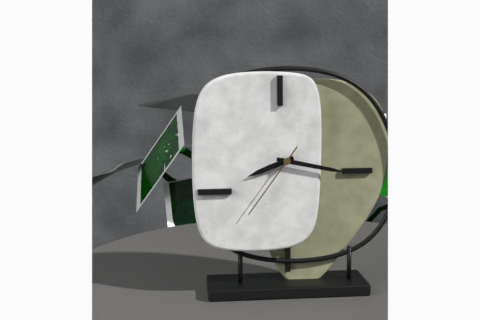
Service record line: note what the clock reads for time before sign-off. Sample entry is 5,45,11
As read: 8,17,36
